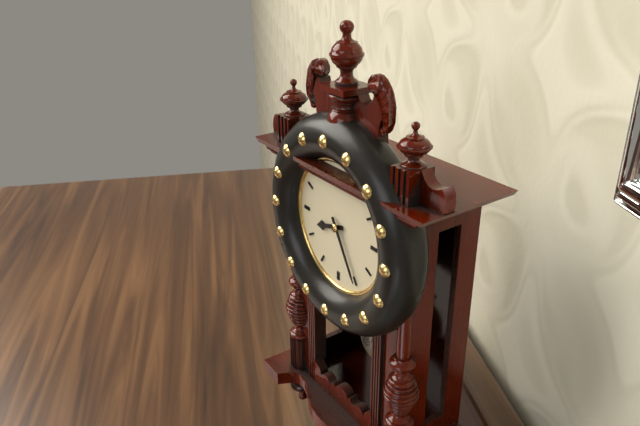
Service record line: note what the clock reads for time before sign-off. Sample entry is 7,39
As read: 8,25
